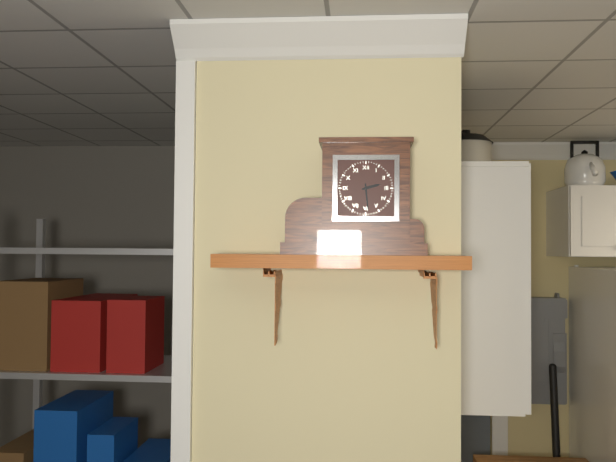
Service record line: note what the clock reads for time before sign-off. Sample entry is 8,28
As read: 2,29
